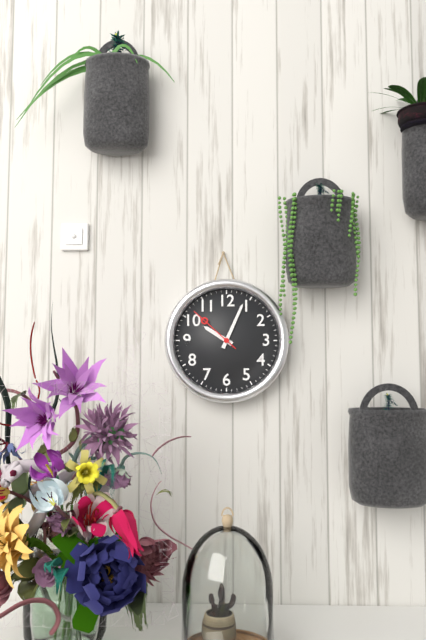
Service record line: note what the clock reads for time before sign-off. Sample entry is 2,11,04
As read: 10,04,52
